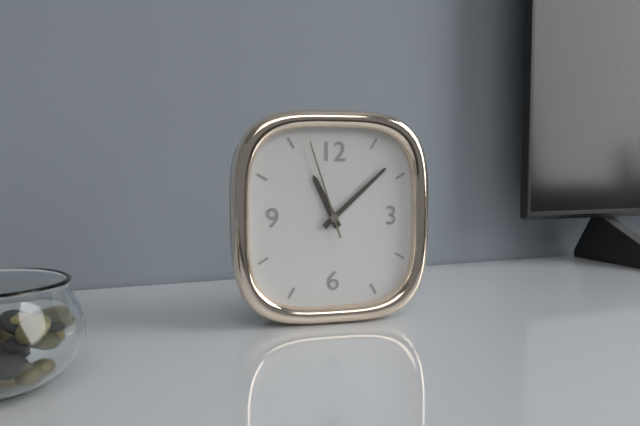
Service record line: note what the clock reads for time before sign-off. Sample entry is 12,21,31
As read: 11,08,57
